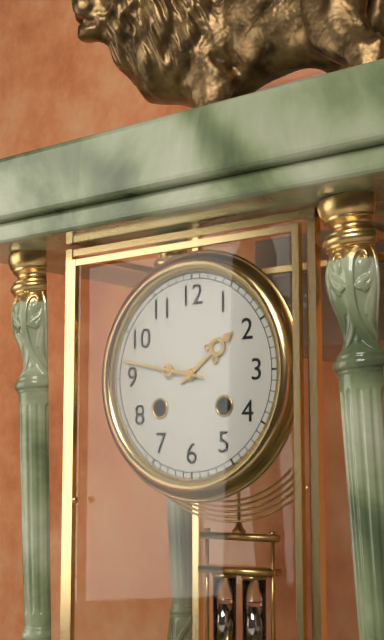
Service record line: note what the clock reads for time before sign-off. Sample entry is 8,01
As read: 1,47
